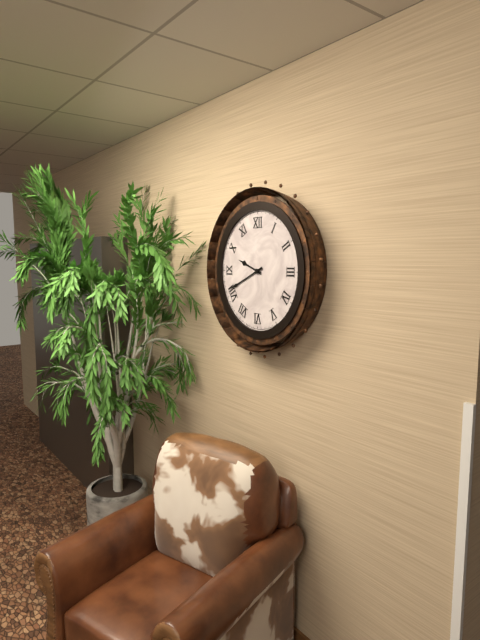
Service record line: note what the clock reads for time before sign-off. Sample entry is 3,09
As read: 9,41
